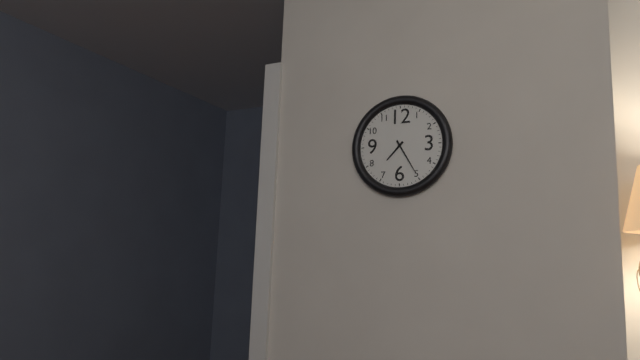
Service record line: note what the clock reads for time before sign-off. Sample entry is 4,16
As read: 7,25
